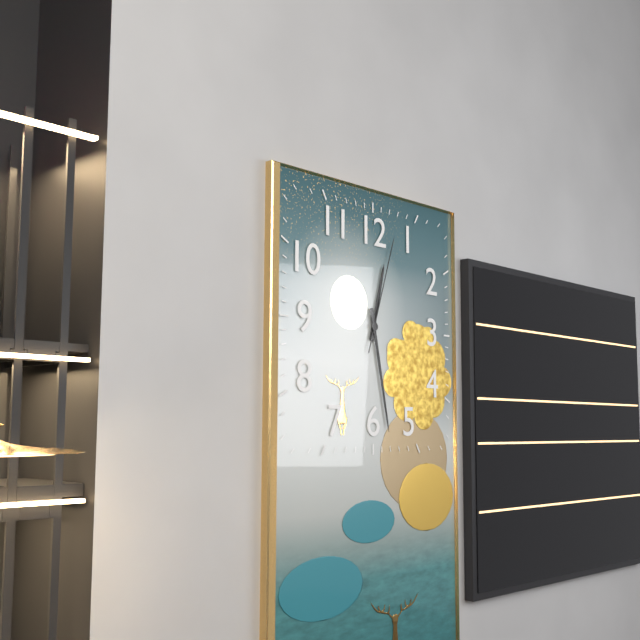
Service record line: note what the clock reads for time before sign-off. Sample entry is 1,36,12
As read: 12,28,03
